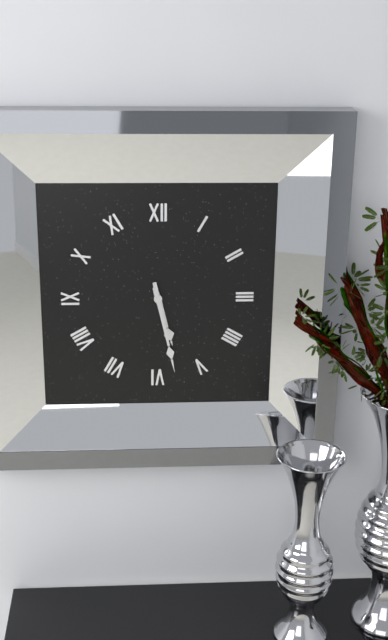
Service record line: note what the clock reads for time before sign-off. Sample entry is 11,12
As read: 5,28
